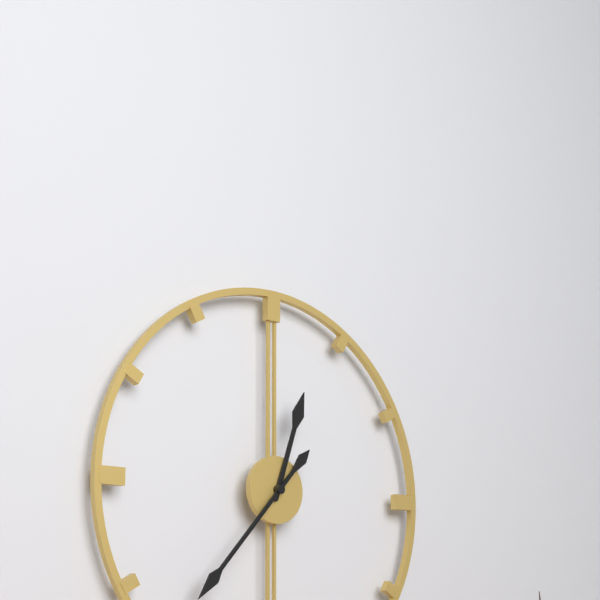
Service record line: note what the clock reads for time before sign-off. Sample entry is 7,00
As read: 12,37
